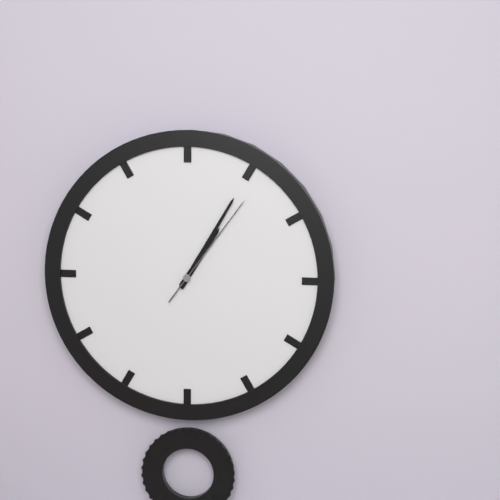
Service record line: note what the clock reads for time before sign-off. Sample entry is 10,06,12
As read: 1,05,06
